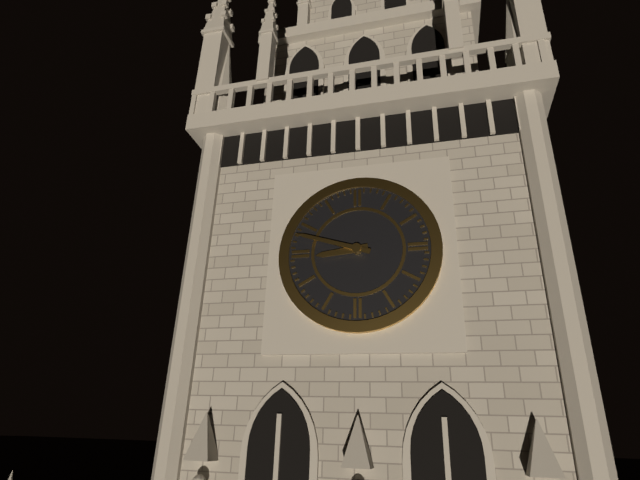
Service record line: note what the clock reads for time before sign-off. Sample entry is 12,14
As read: 8,48
